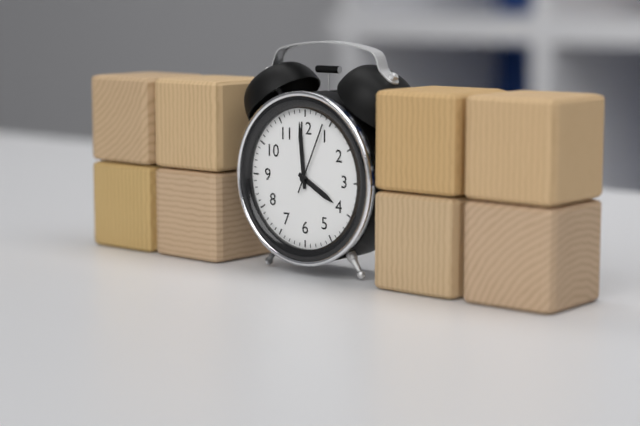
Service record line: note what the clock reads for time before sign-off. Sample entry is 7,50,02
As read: 3,59,04
